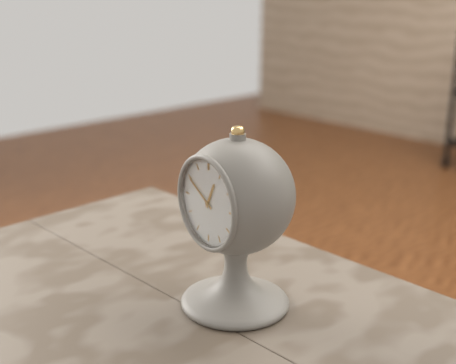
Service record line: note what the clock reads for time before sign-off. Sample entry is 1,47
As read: 12,50
